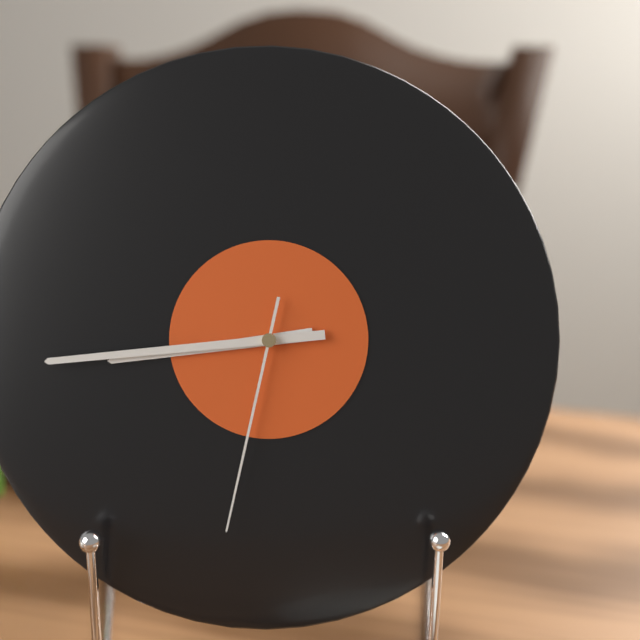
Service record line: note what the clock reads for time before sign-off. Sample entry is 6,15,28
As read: 8,44,32
